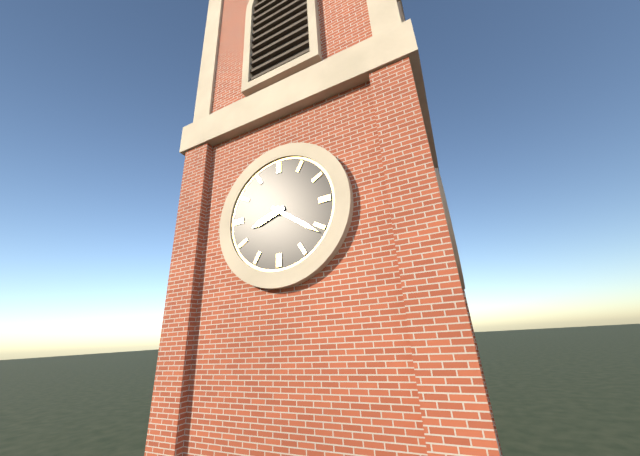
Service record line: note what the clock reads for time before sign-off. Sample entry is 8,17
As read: 8,21
